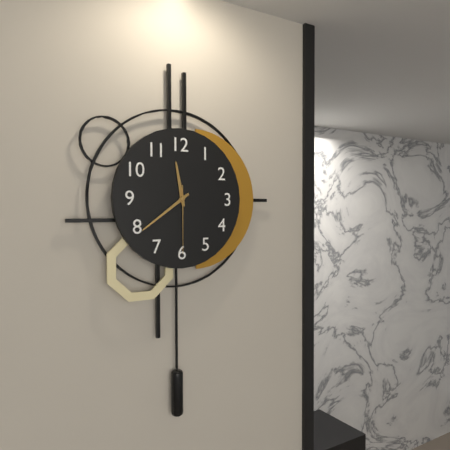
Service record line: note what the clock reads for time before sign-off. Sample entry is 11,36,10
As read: 11,39,30
